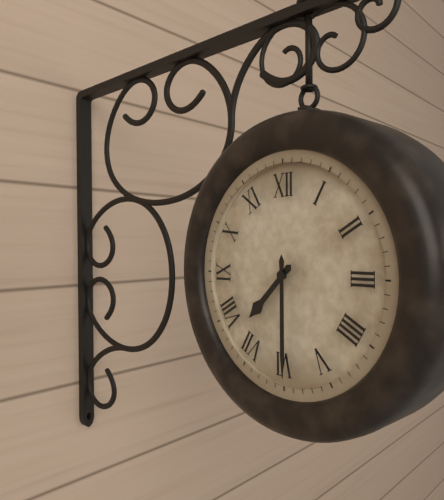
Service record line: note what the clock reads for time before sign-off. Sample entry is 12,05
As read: 7,30
